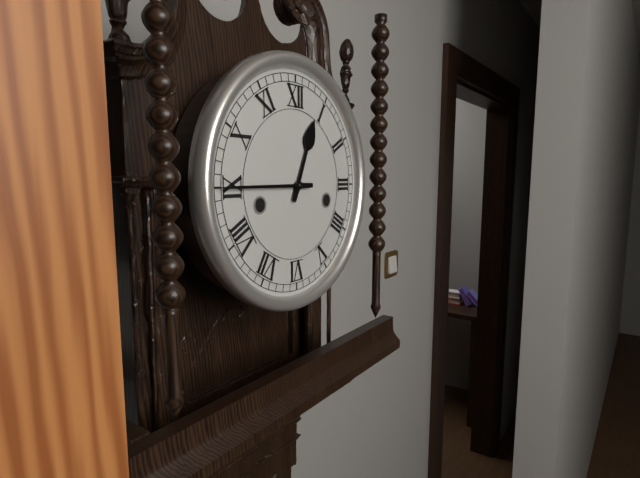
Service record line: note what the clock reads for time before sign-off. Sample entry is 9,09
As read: 12,45
